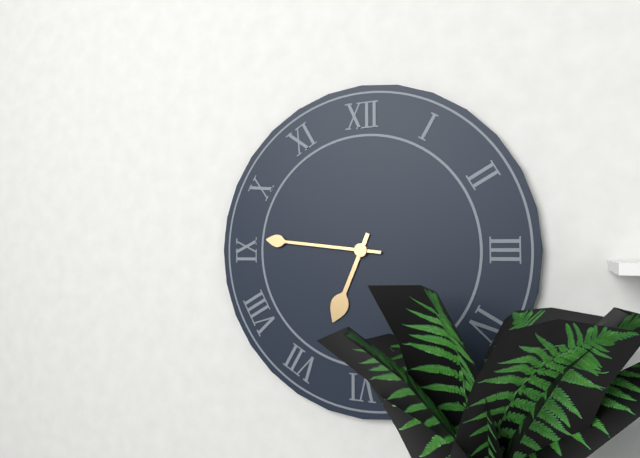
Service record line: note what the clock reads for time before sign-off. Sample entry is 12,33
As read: 6,46
